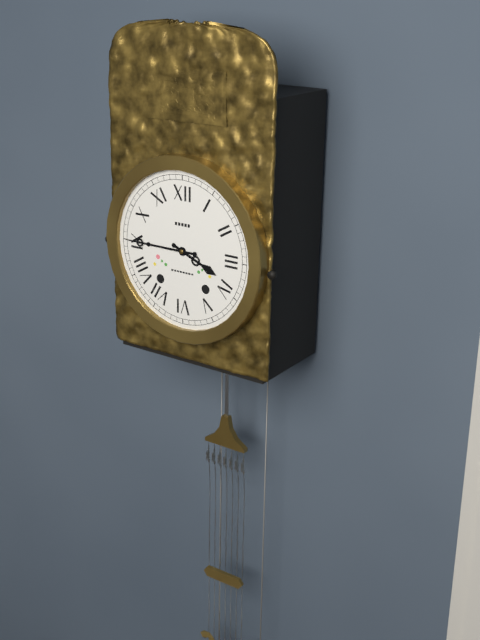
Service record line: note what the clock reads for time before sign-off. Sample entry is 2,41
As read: 3,45
